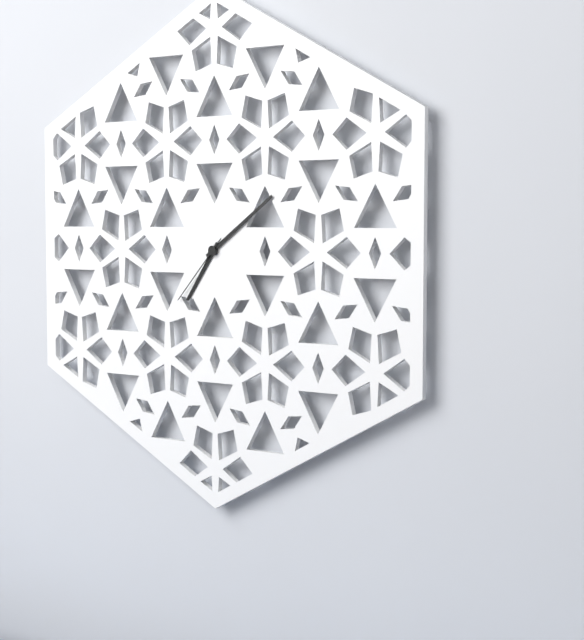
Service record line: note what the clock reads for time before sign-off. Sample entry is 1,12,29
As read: 7,09,37
